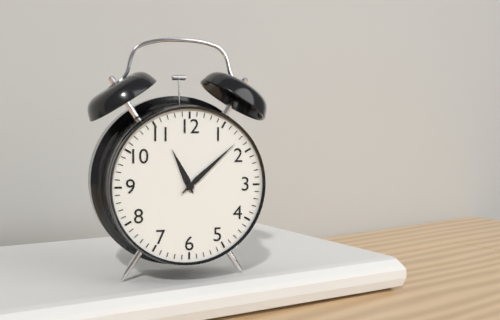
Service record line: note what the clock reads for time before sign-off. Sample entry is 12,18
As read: 11,08
